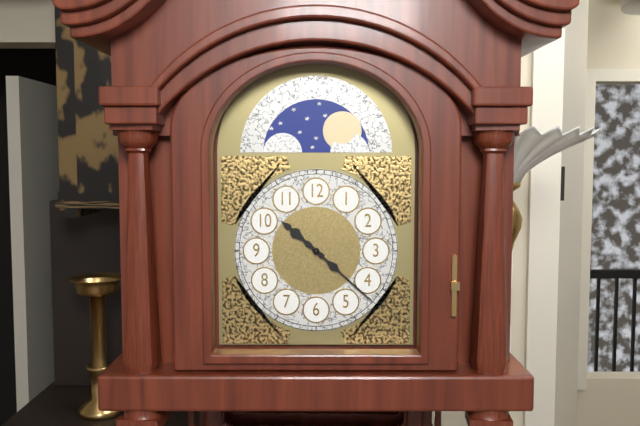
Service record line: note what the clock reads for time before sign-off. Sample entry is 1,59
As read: 10,22
